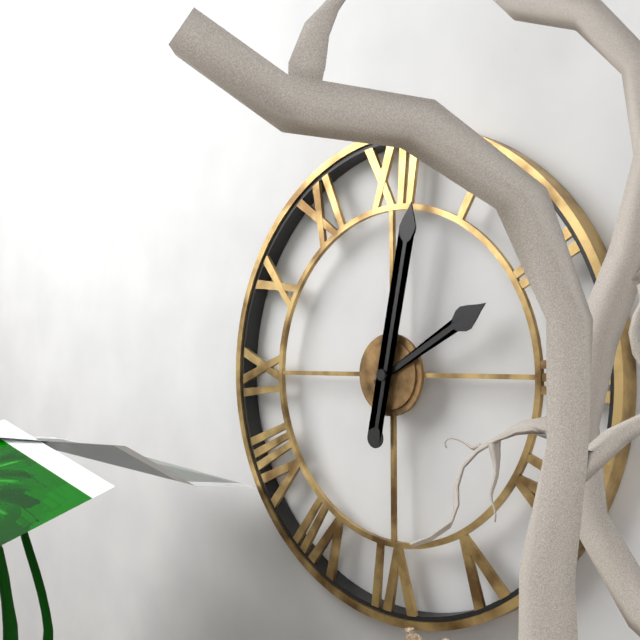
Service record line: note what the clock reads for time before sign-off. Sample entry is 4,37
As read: 2,02
